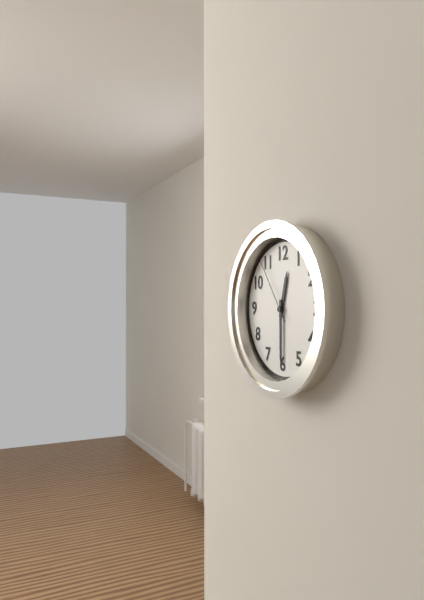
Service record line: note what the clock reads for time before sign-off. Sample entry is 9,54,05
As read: 12,30,54
